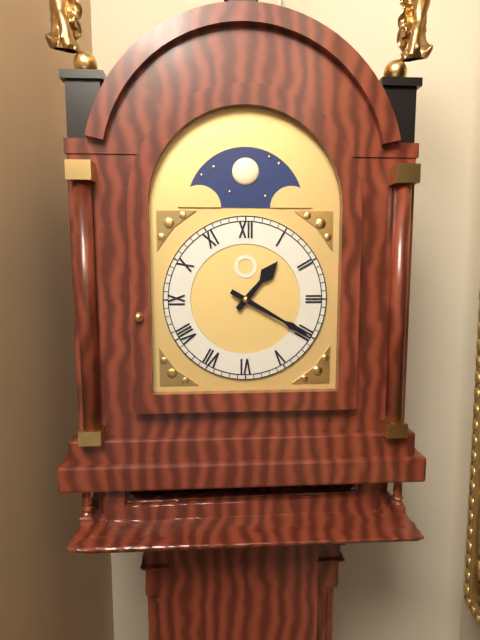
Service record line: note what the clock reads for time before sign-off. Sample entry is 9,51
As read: 1,20
